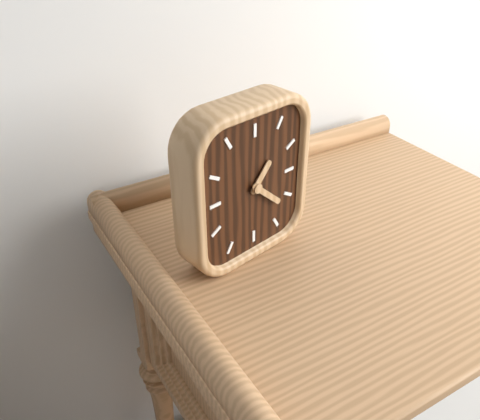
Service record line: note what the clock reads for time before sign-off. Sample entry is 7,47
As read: 1,22
